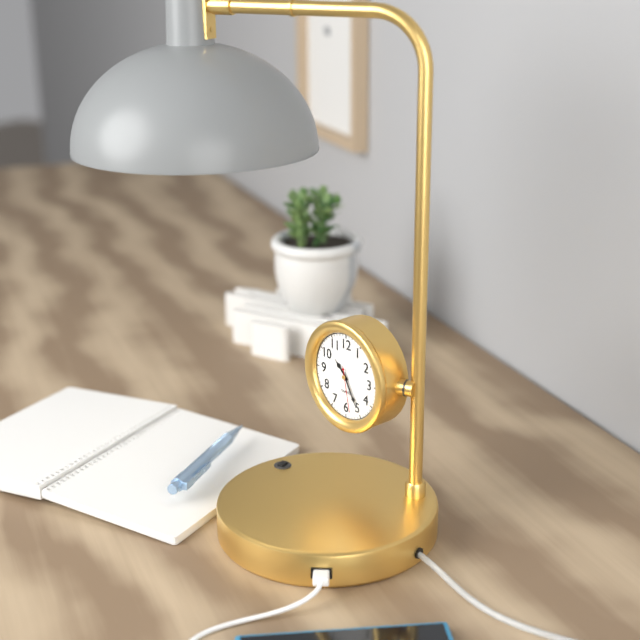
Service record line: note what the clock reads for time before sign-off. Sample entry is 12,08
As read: 10,25
